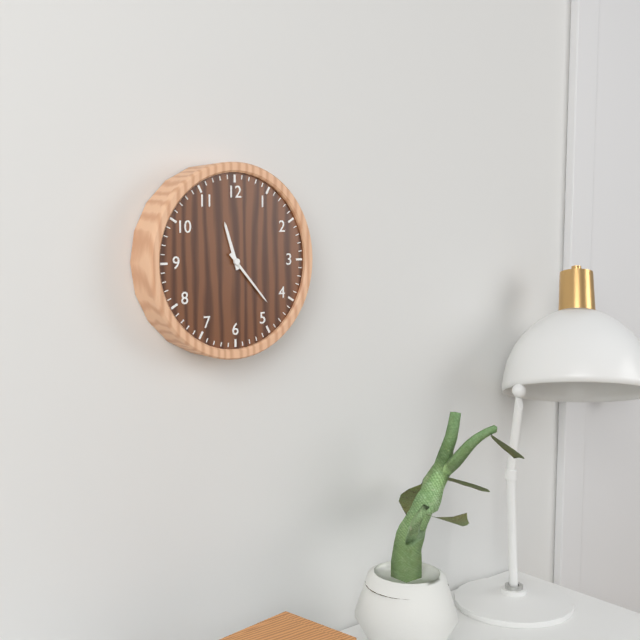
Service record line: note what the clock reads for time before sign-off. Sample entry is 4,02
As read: 11,23
